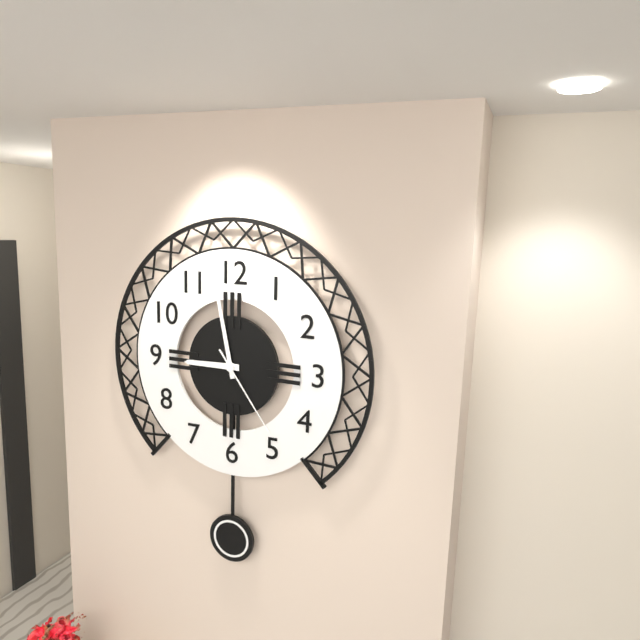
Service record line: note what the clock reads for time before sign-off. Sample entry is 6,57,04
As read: 8,58,24
